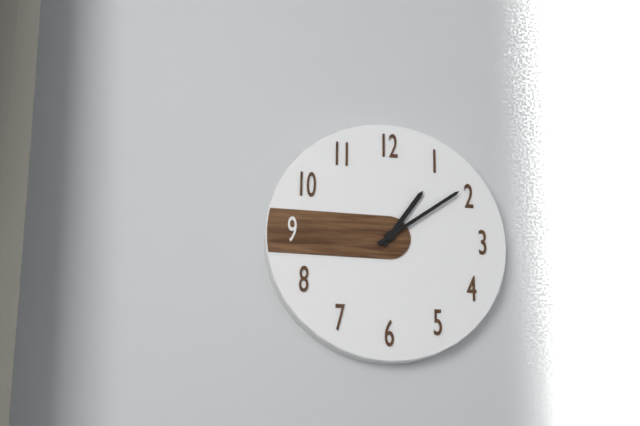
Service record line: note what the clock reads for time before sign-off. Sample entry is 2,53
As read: 1,09
